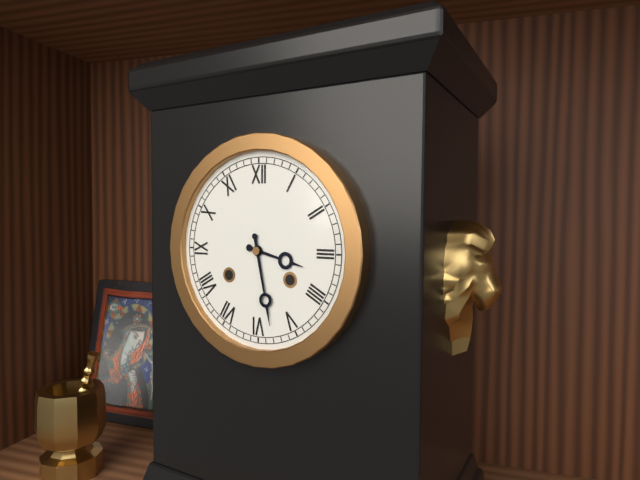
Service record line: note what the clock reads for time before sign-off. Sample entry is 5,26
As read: 3,28
